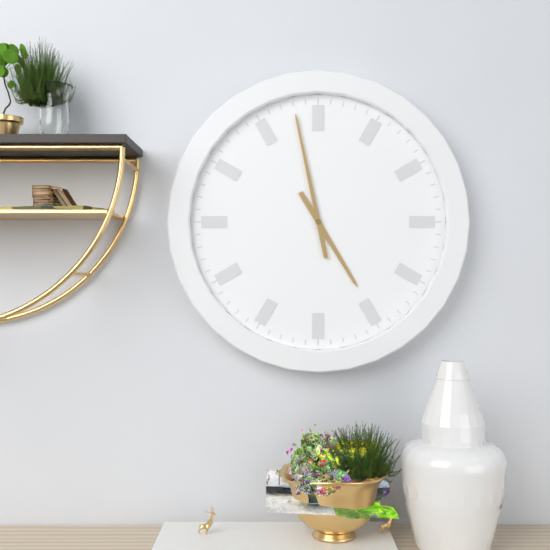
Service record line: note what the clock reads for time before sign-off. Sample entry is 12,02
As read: 4,58
